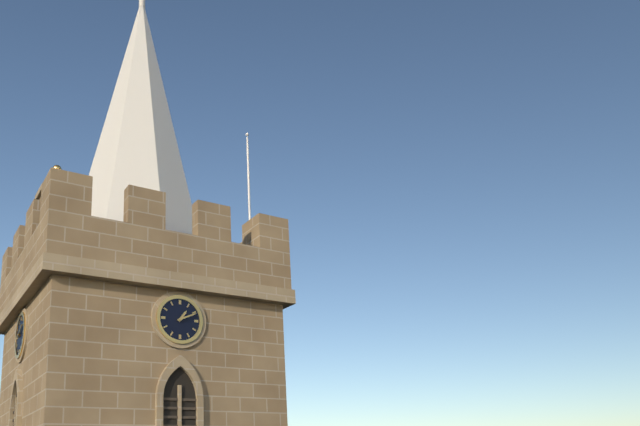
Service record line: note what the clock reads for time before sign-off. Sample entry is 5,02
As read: 1,11
